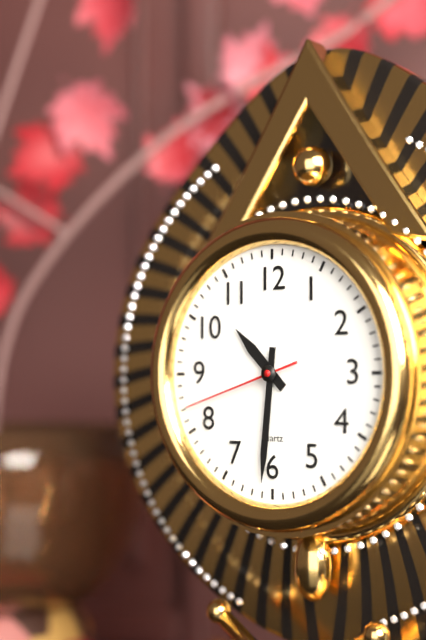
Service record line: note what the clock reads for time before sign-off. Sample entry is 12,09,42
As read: 10,31,42
